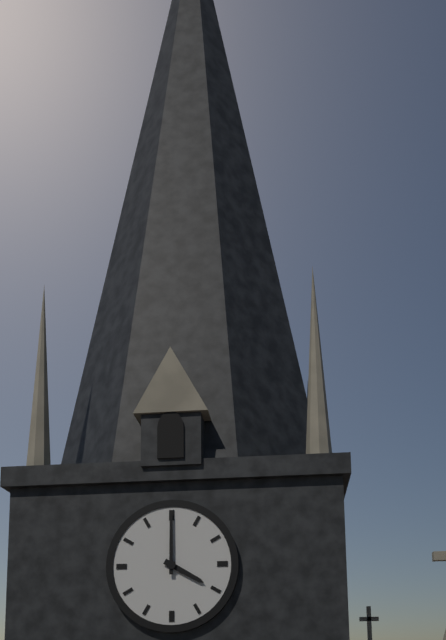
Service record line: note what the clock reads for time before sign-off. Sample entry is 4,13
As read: 4,00
